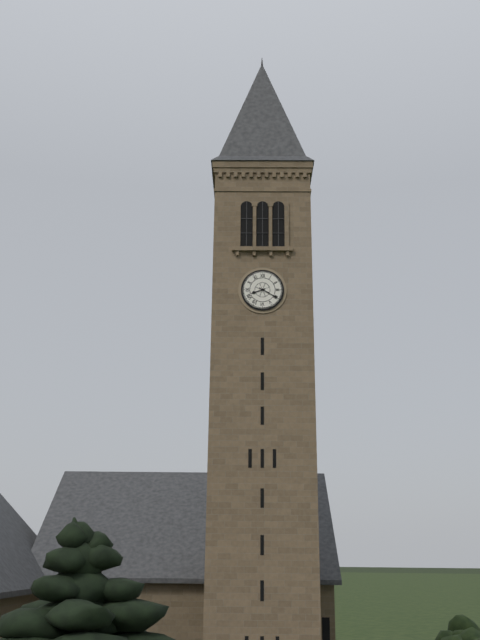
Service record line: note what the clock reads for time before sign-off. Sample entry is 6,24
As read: 8,20
